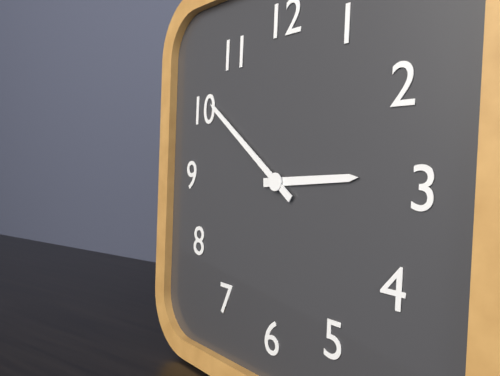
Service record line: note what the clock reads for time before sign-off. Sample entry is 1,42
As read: 2,51
